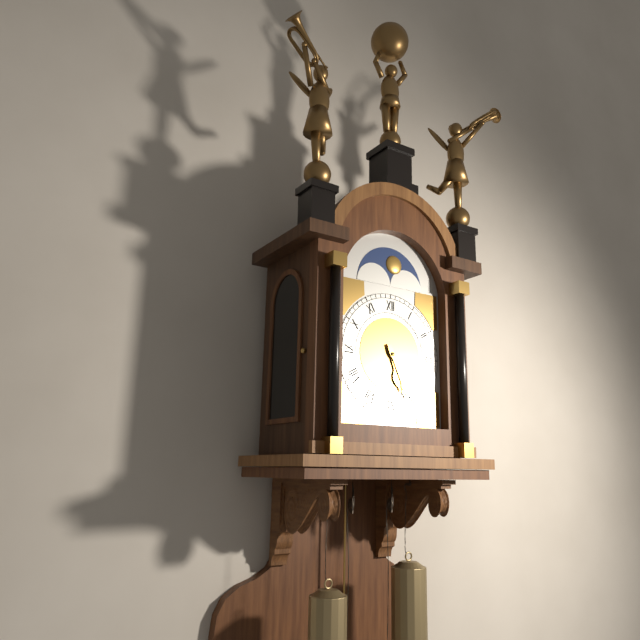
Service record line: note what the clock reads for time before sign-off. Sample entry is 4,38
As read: 5,26
